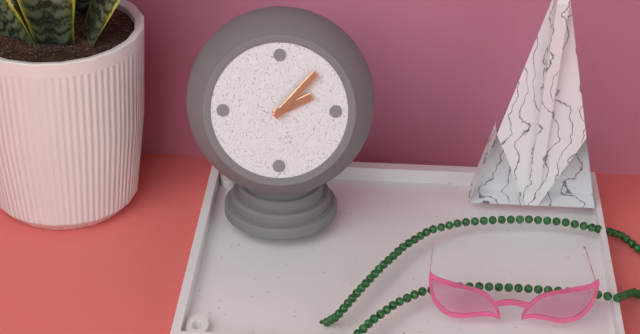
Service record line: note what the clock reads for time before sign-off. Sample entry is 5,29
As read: 2,07
